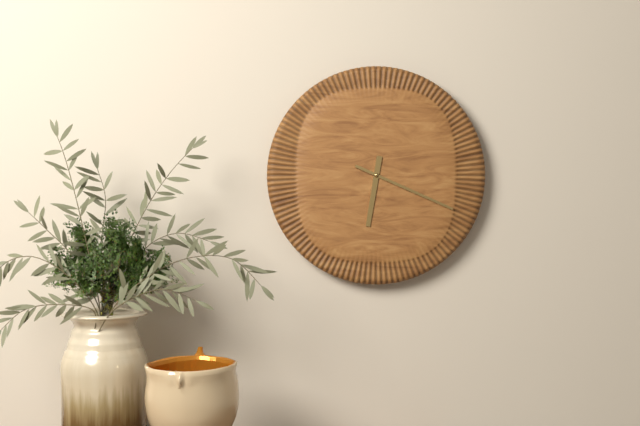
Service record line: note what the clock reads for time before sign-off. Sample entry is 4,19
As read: 6,19
